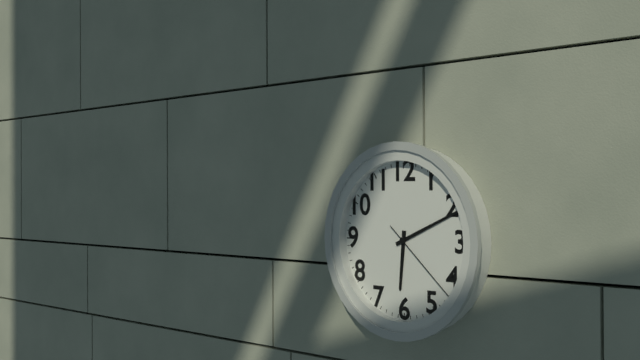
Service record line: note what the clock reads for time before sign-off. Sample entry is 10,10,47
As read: 6,11,22
